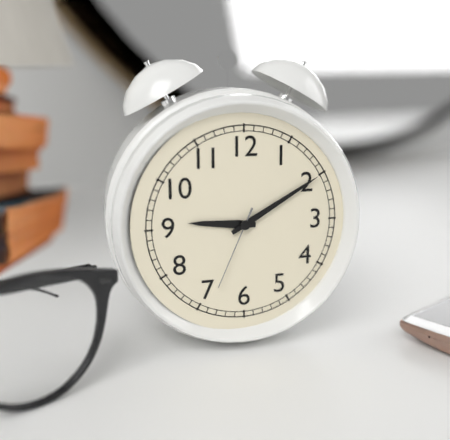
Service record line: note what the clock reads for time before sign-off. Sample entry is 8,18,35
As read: 9,10,34
